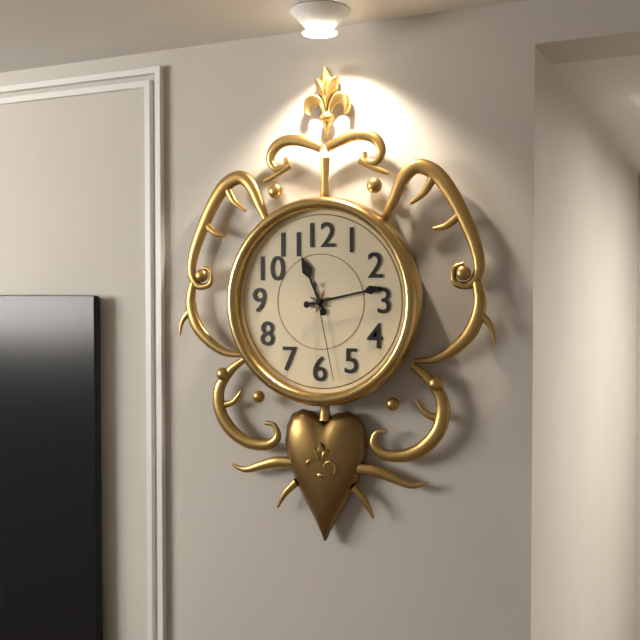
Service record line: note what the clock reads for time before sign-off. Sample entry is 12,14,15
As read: 11,13,28
